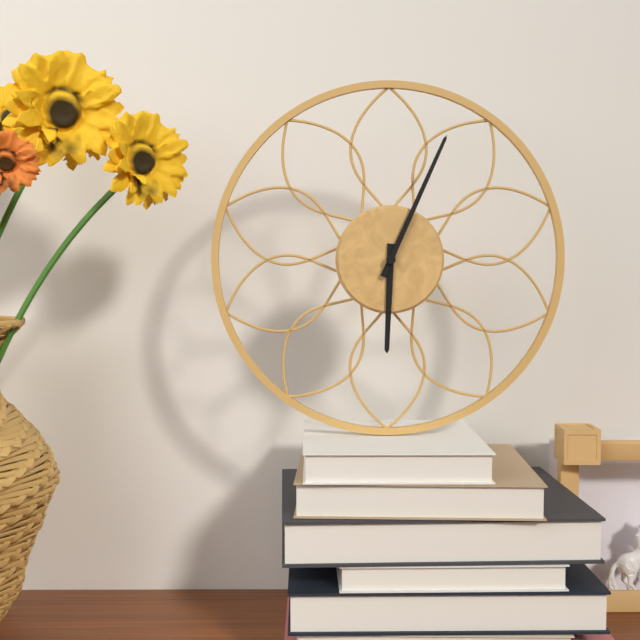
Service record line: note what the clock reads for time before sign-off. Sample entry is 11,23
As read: 6,04
